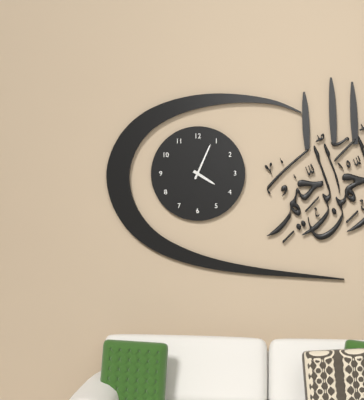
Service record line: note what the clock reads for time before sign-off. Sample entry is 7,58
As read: 4,04
